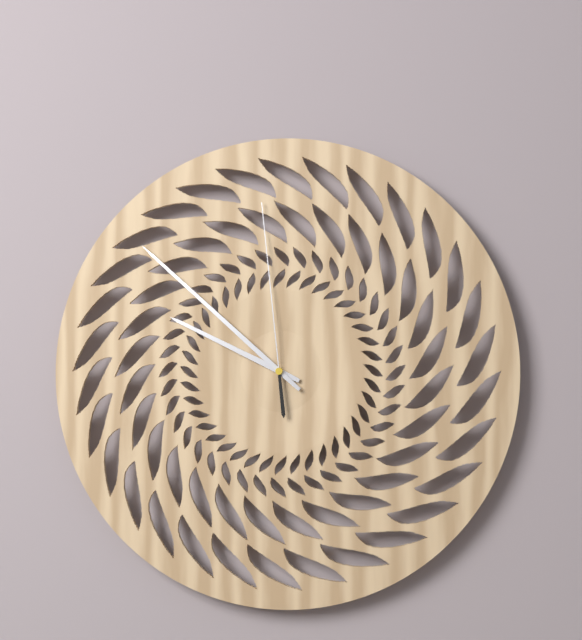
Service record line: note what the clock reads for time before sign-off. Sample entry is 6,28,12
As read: 9,52,59
